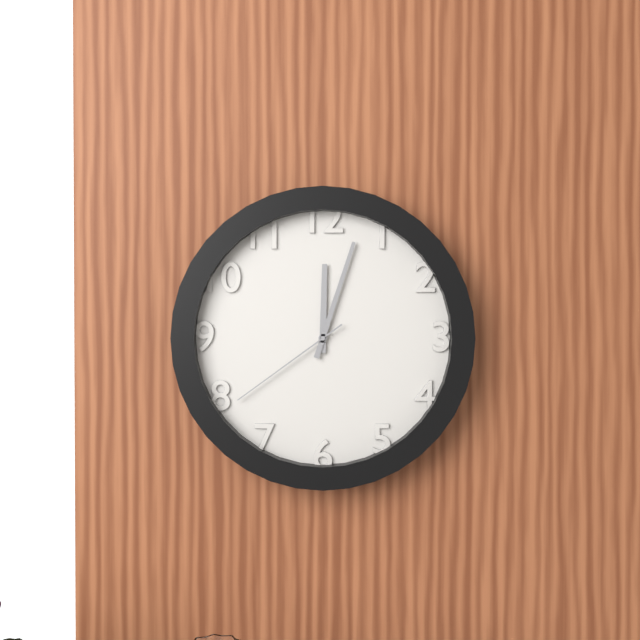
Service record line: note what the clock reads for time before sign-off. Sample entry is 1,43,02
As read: 12,03,39
